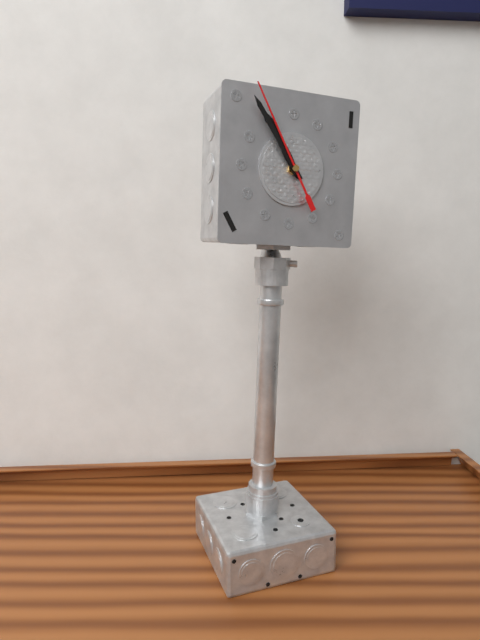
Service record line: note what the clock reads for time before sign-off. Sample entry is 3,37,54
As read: 10,54,55
